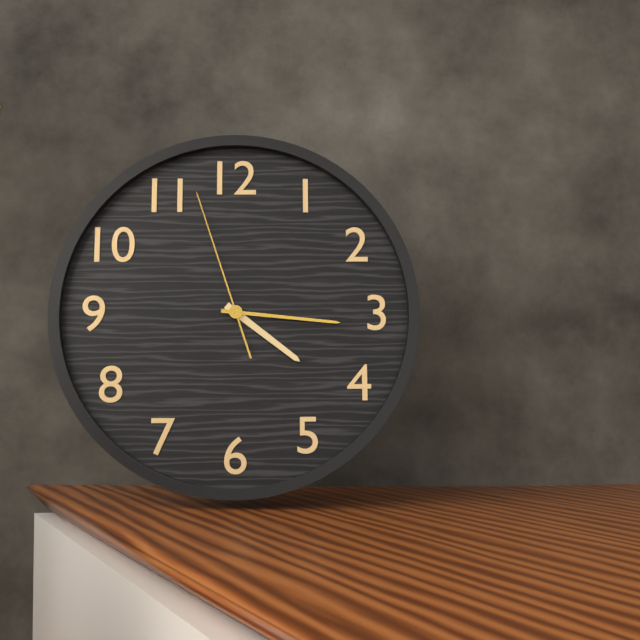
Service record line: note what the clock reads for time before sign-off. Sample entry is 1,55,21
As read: 4,16,57
